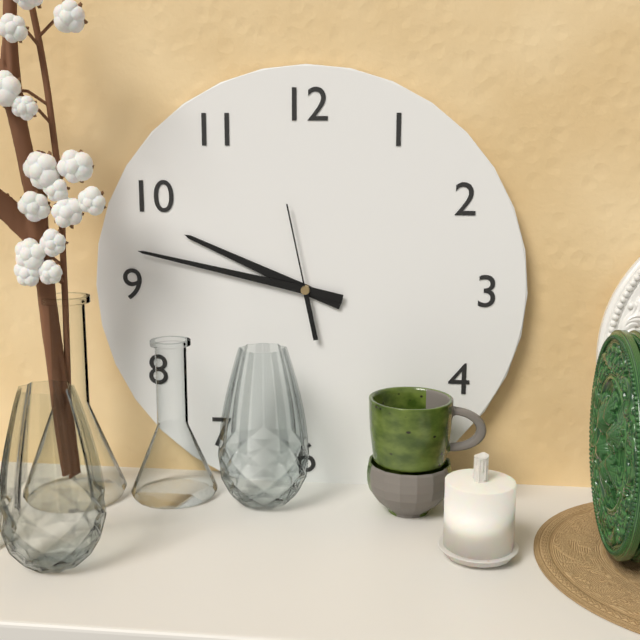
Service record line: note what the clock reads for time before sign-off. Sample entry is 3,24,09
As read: 9,47,58
